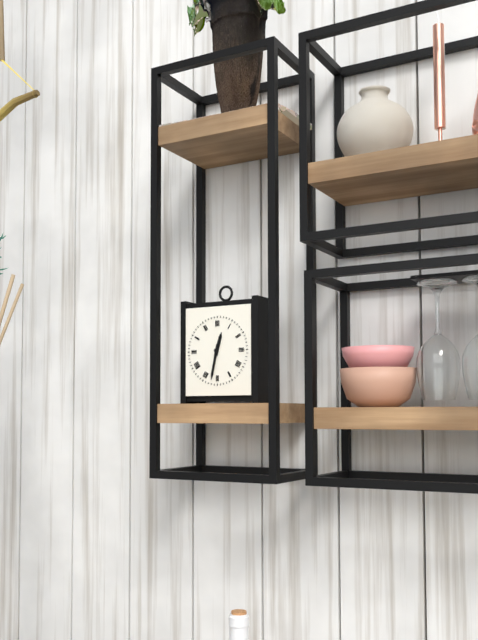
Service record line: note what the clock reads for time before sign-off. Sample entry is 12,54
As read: 12,32
